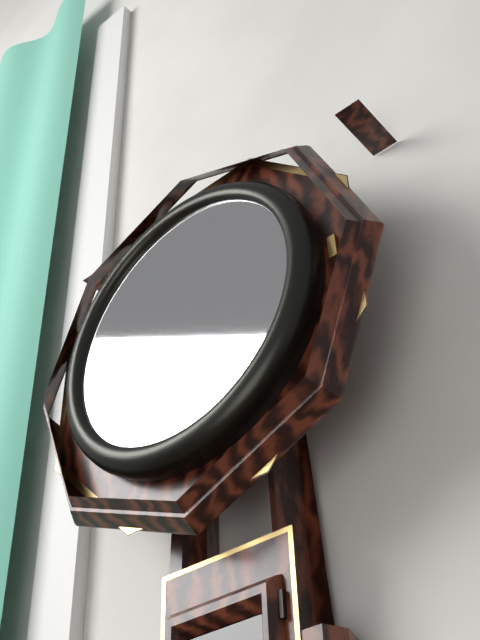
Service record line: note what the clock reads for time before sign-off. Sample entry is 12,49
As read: 6,24
